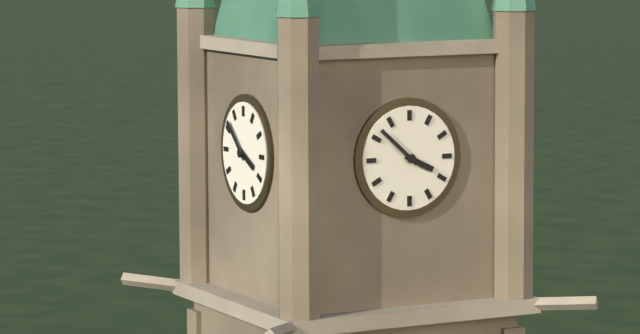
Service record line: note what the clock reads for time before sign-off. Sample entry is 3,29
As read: 3,52
